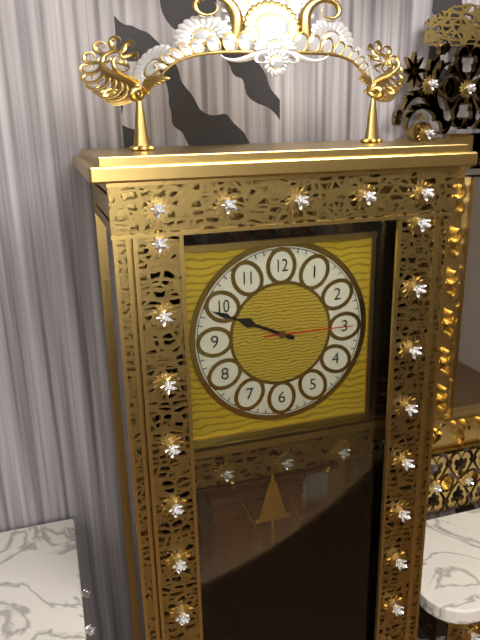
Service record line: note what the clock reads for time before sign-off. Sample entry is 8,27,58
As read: 9,49,15
